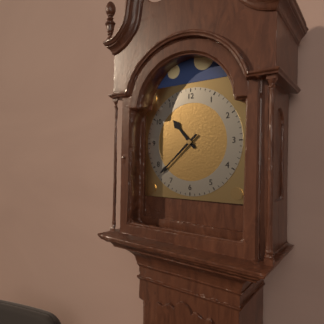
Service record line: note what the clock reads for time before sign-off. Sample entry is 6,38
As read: 10,38
